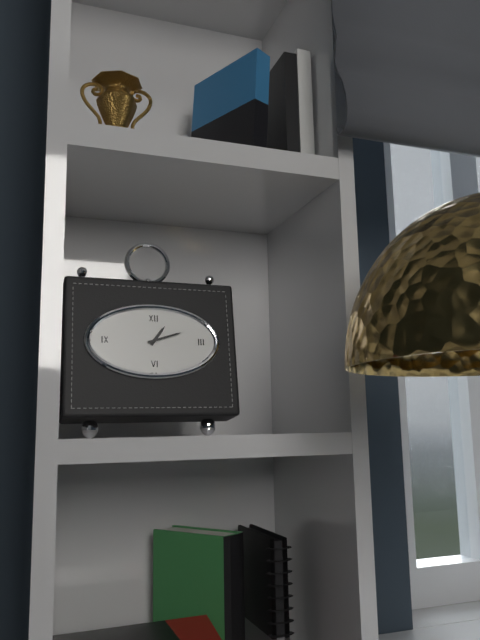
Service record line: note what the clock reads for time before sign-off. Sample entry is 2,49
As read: 1,12
